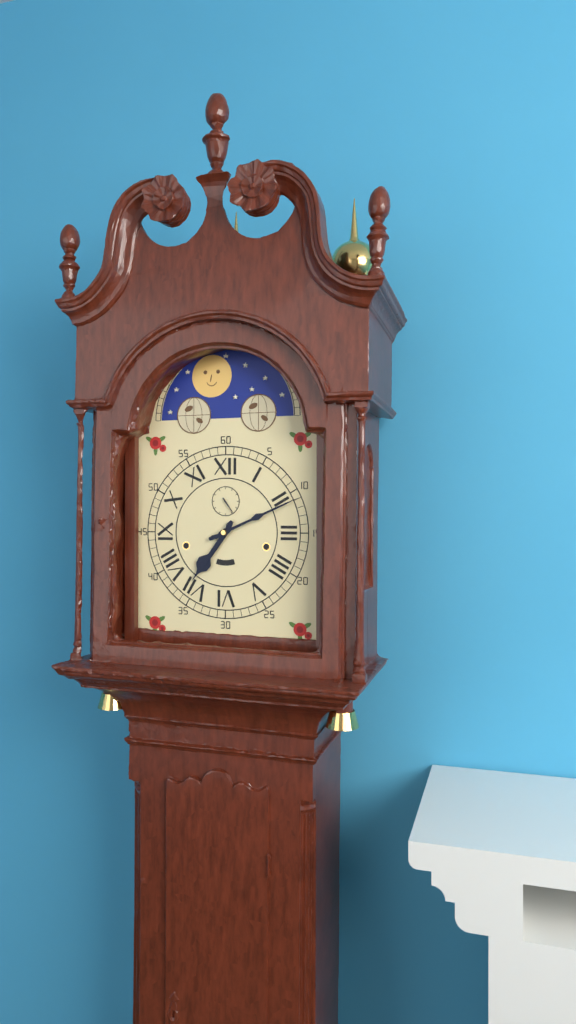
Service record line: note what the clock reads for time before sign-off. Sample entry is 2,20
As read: 7,11
